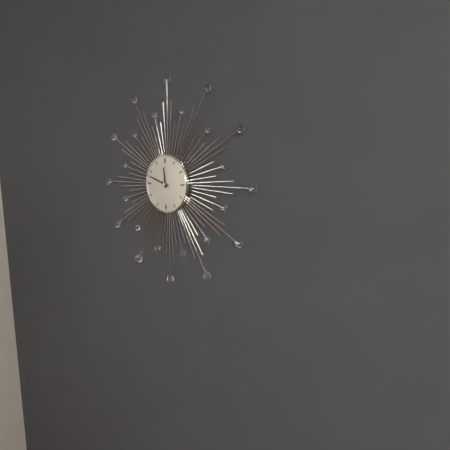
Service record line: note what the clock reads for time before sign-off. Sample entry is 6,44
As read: 11,48
